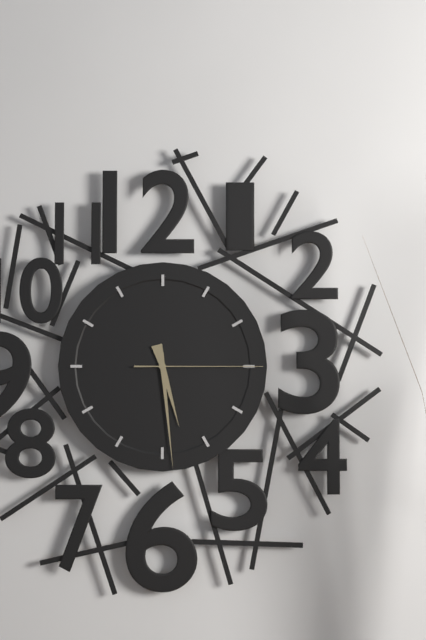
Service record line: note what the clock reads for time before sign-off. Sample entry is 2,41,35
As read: 5,29,15
